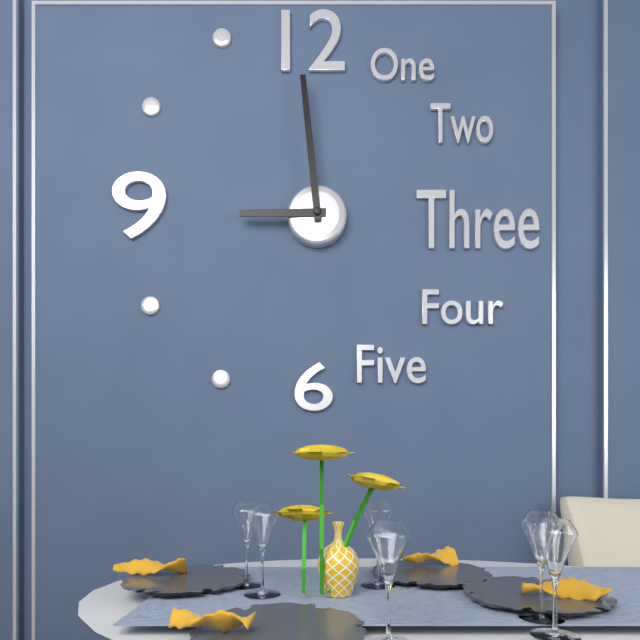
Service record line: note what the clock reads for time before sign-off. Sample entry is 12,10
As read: 8,59
